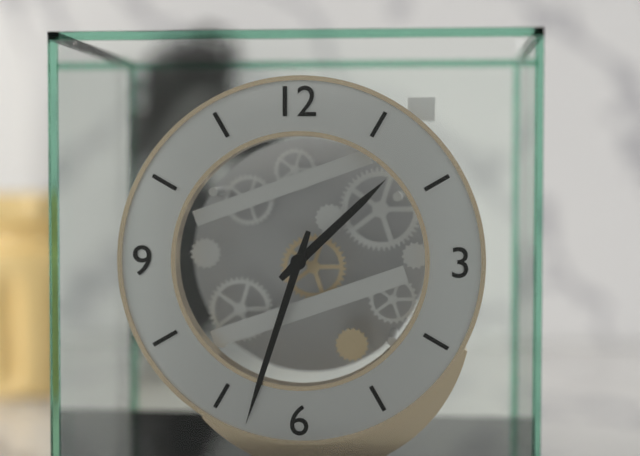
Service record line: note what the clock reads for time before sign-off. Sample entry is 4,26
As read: 1,33
